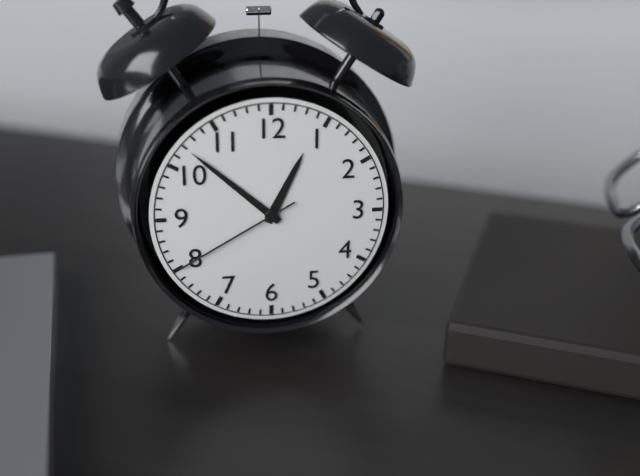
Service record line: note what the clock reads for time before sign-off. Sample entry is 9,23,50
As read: 12,52,40
